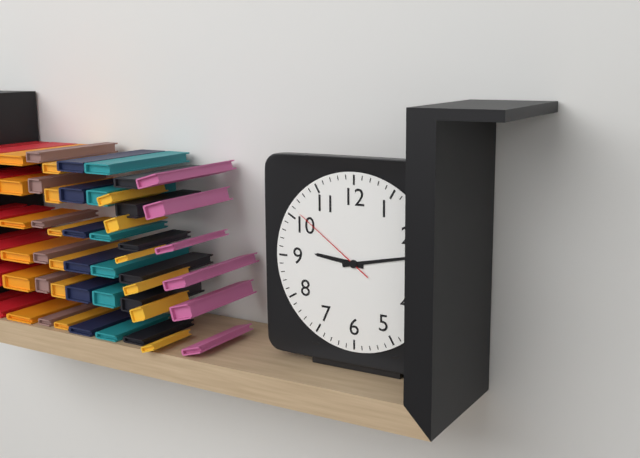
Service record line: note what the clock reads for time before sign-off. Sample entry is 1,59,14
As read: 9,13,51
